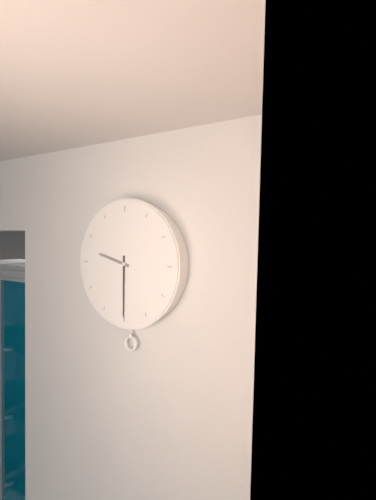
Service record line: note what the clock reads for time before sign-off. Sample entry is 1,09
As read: 9,30
